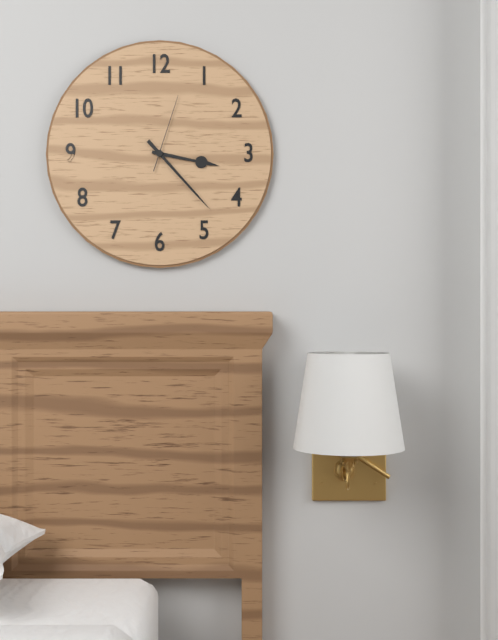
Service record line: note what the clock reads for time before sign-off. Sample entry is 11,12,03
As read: 3,23,03
